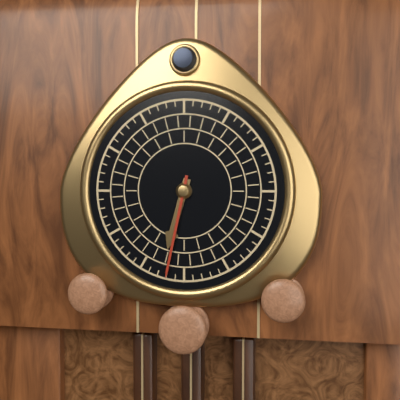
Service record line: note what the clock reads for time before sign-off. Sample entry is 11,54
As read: 6,32
